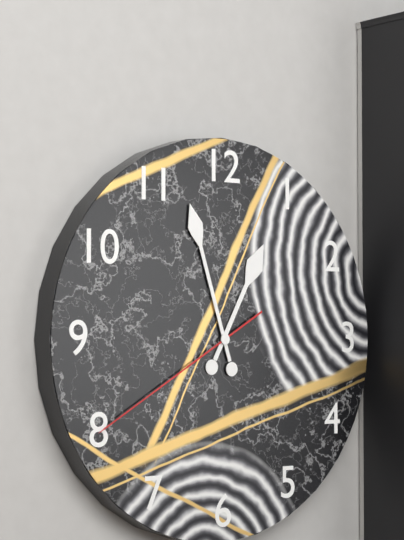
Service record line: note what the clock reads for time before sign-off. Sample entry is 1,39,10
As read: 12,57,40
